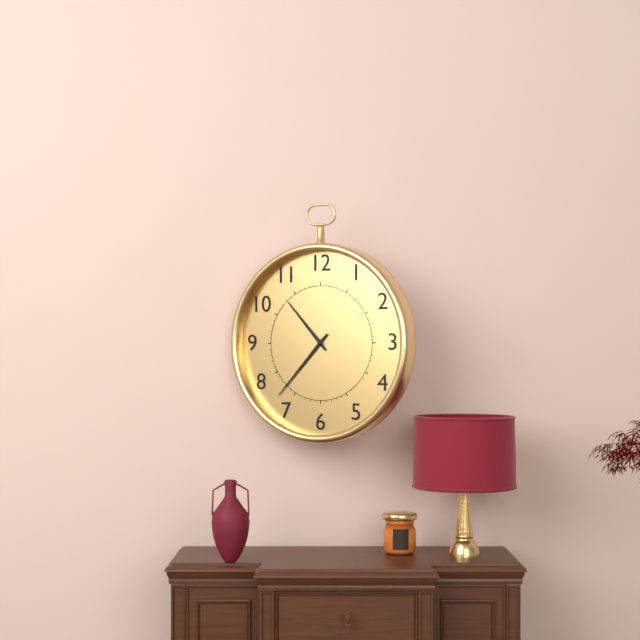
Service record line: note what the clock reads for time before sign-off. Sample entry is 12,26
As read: 10,37
